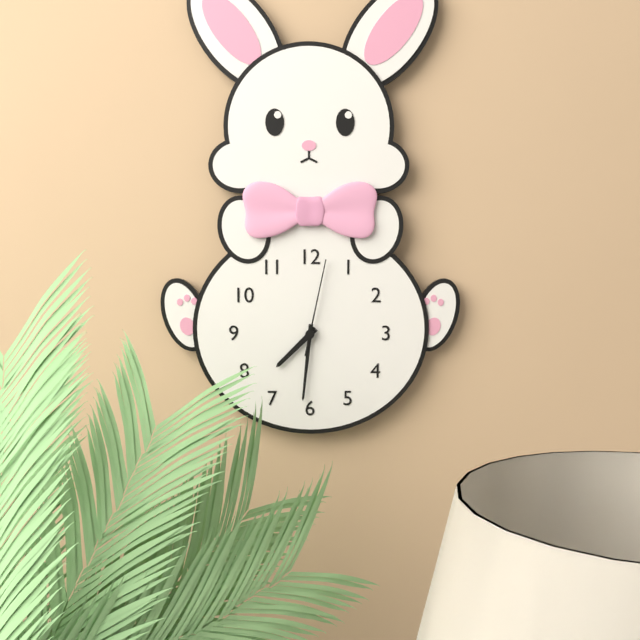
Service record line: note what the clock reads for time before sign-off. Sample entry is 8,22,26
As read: 7,31,02
